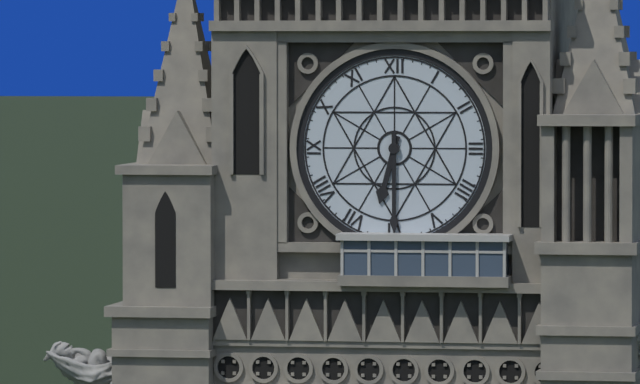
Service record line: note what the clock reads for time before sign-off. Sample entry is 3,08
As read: 6,30
